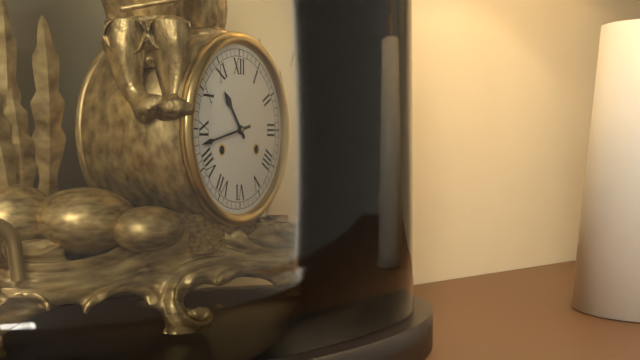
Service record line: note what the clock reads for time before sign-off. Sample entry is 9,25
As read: 10,43
